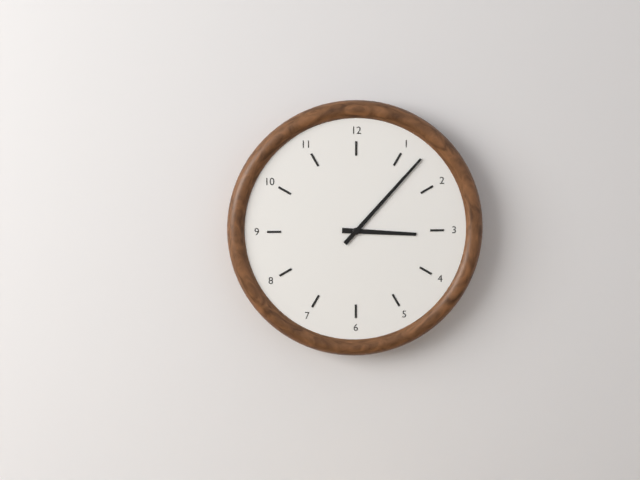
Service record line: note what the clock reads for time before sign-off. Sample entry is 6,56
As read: 3,07
